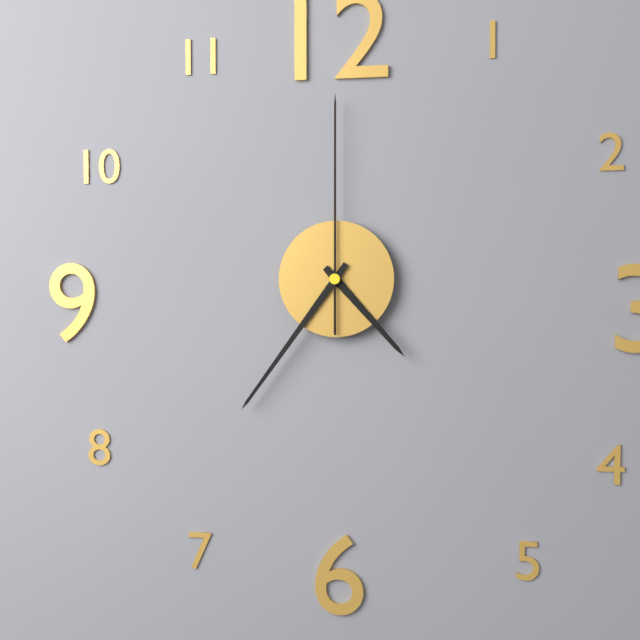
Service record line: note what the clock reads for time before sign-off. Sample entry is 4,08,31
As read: 4,36,00
